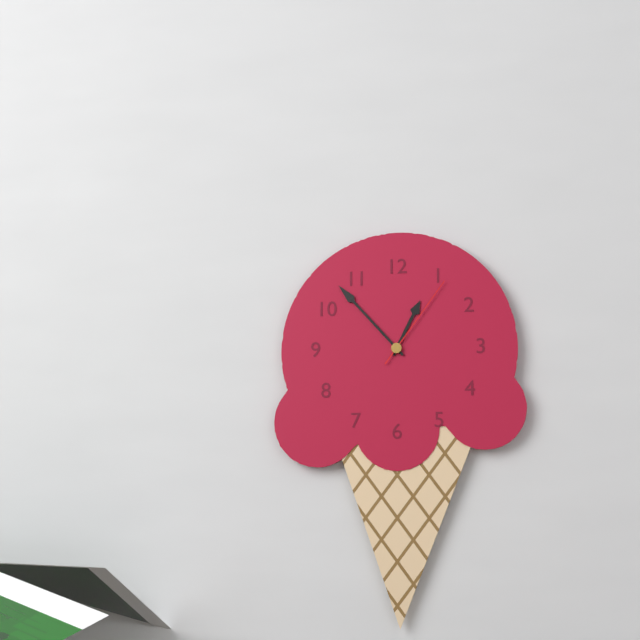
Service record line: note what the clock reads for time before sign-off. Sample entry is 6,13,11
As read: 12,53,06
